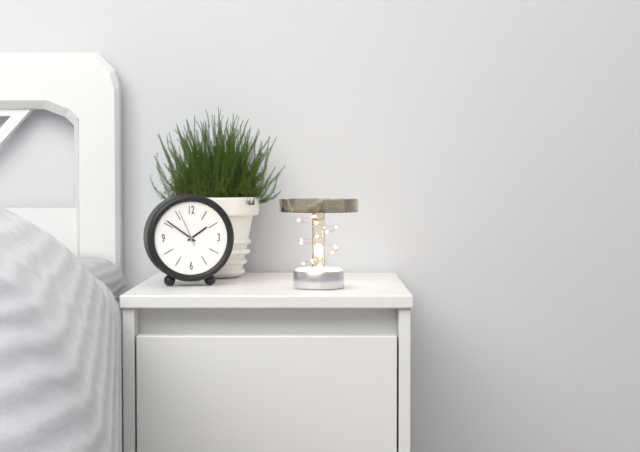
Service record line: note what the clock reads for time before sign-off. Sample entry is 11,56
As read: 1,51
